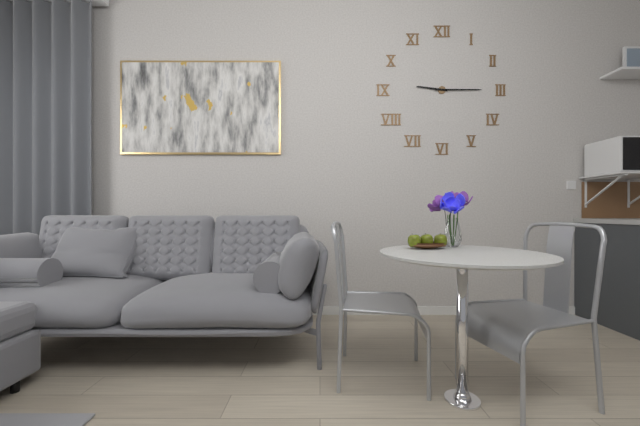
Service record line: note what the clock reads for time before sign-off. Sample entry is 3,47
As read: 9,15
